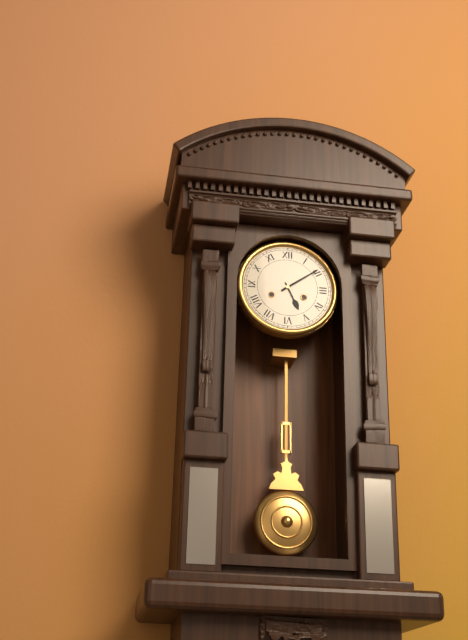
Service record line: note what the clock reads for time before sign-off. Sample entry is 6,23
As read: 5,09
